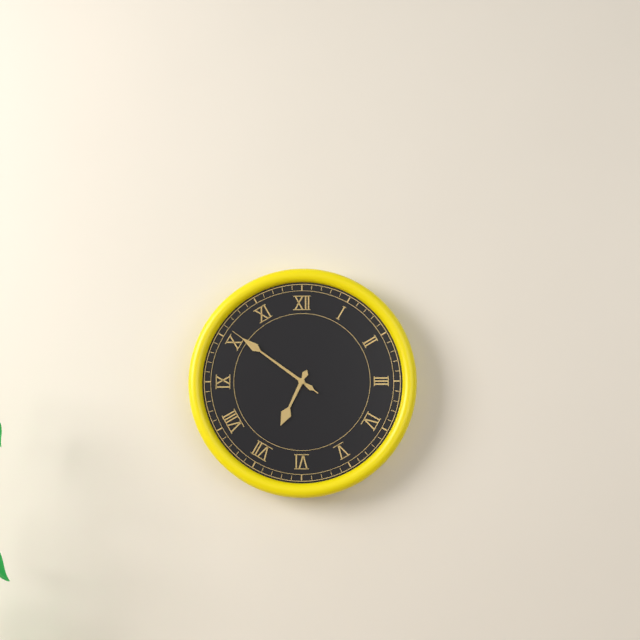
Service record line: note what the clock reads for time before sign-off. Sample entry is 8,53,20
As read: 6,51,51
